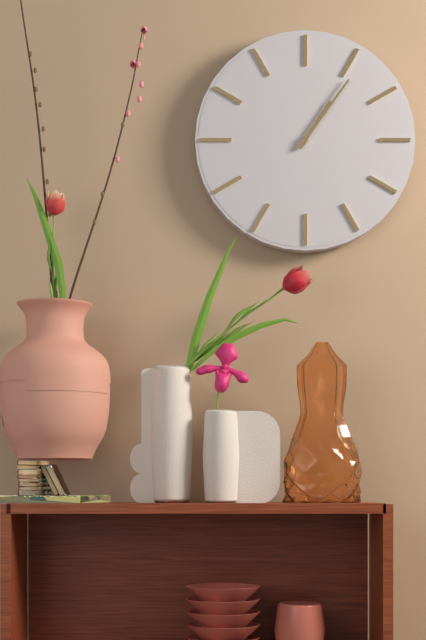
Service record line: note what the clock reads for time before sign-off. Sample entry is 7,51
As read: 1,06
